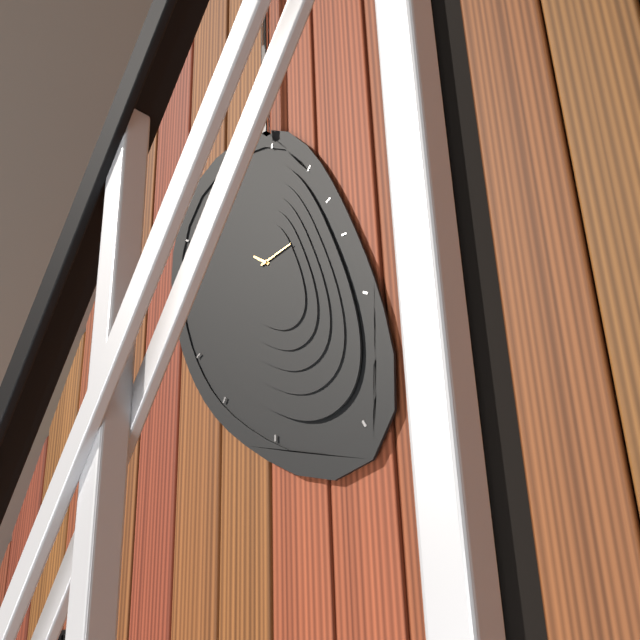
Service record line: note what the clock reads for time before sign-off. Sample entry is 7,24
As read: 10,13
